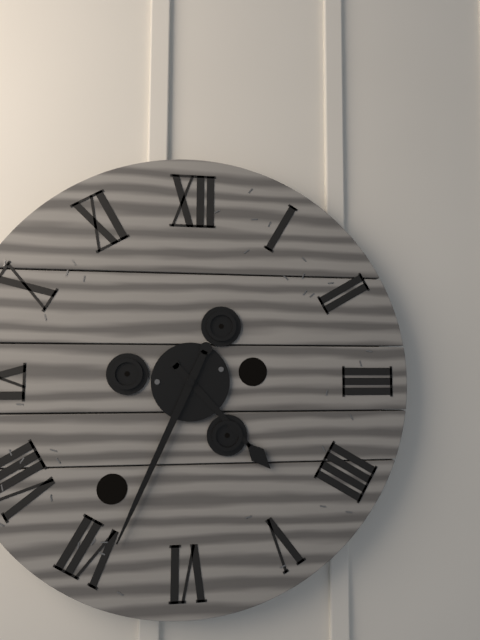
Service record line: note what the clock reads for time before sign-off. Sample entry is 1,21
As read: 4,34
